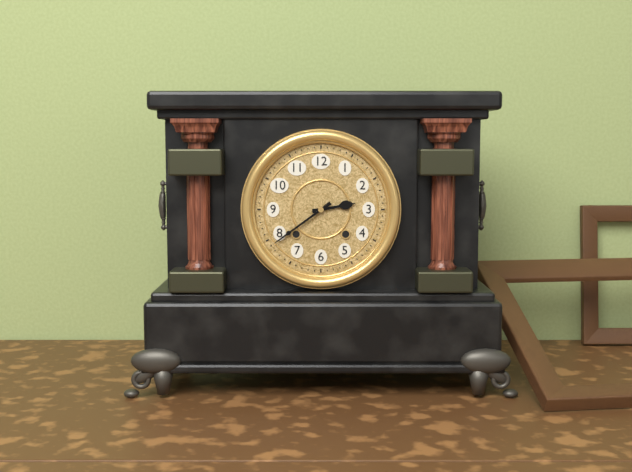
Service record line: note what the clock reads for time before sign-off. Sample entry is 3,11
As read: 2,39
